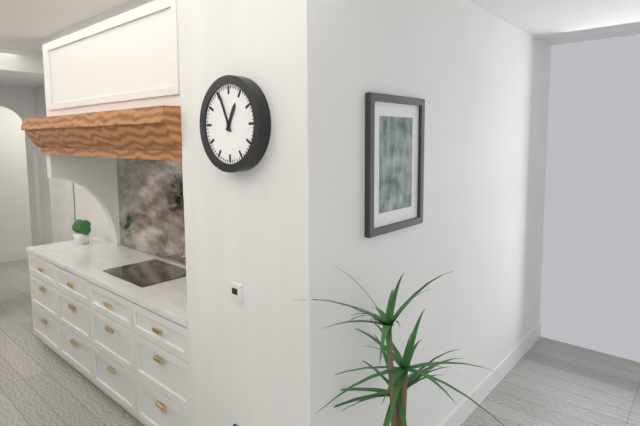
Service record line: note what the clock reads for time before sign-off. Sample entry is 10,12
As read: 12,56
